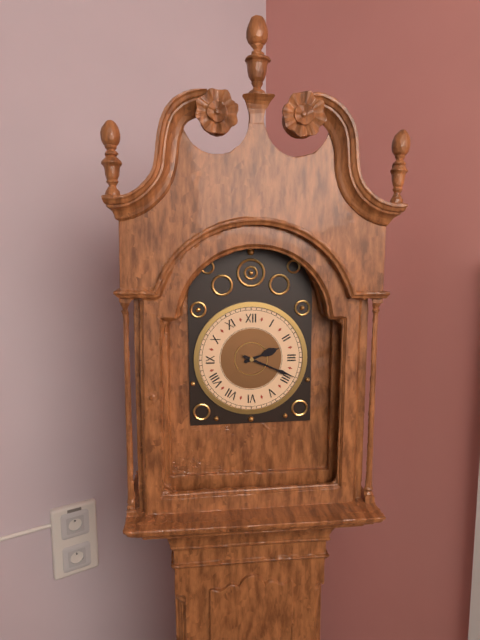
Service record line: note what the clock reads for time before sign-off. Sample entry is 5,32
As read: 2,19
